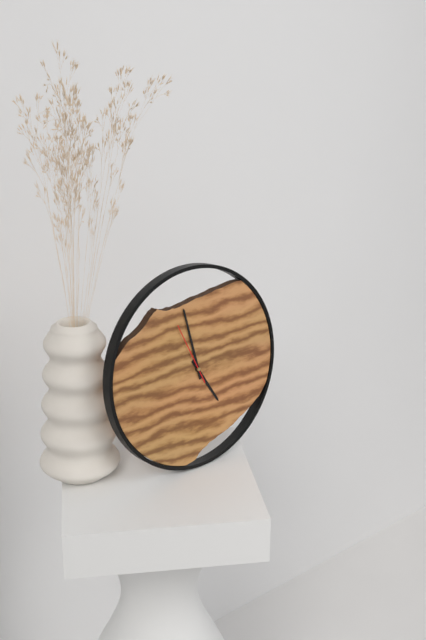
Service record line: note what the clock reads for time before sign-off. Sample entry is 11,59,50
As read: 4,58,56
